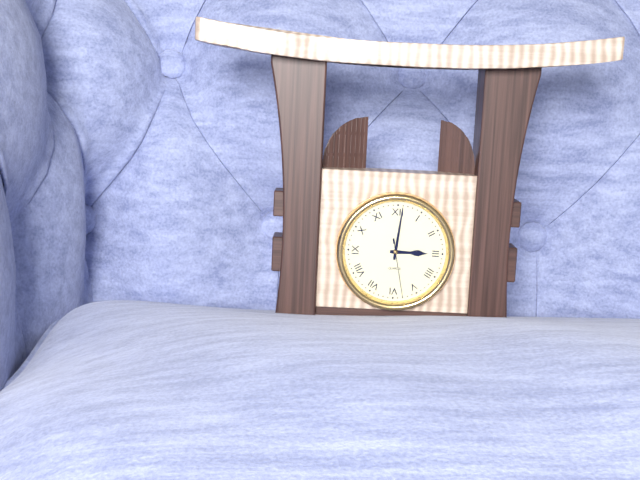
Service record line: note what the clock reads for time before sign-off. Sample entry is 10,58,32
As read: 3,01,28
